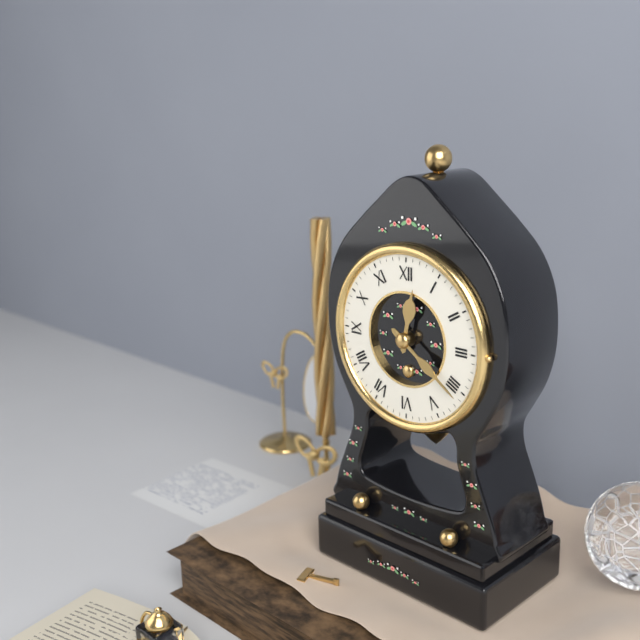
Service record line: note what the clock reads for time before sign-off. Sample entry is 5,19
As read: 12,21
